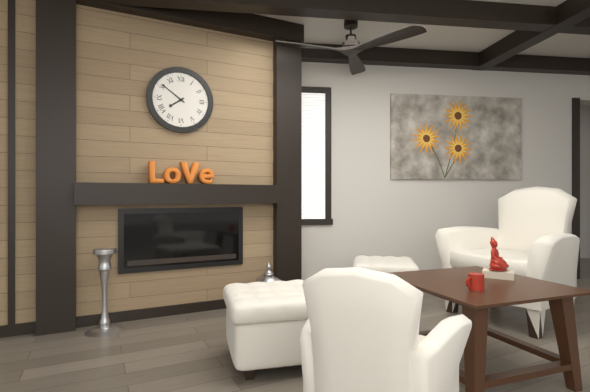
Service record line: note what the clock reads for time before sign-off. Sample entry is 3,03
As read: 7,51
